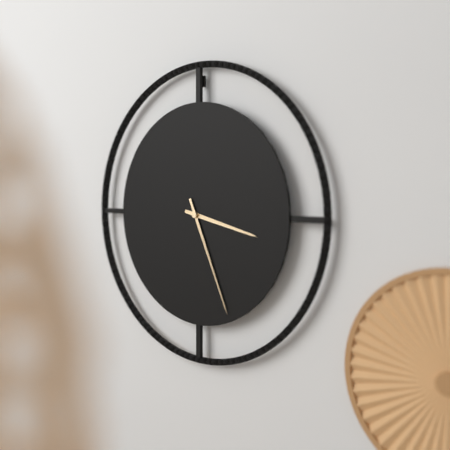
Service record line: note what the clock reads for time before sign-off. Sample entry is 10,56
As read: 3,26
